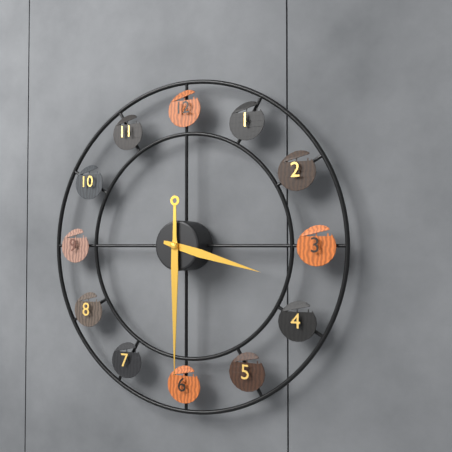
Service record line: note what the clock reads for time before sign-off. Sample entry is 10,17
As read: 3,30
